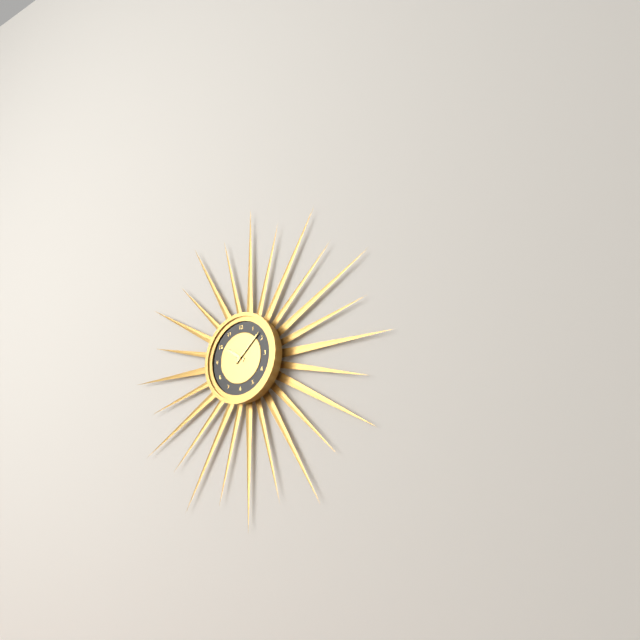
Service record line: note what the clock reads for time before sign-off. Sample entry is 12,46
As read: 10,08
